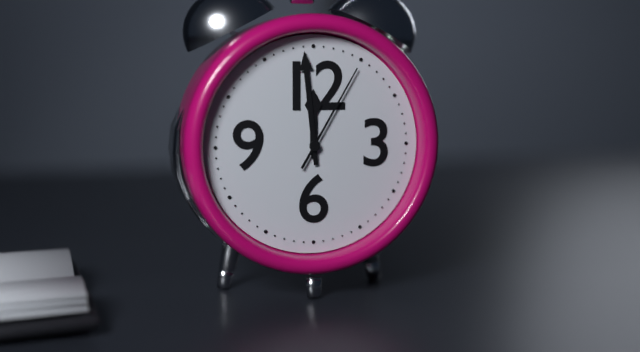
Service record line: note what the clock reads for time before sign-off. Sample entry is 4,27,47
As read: 11,59,05
